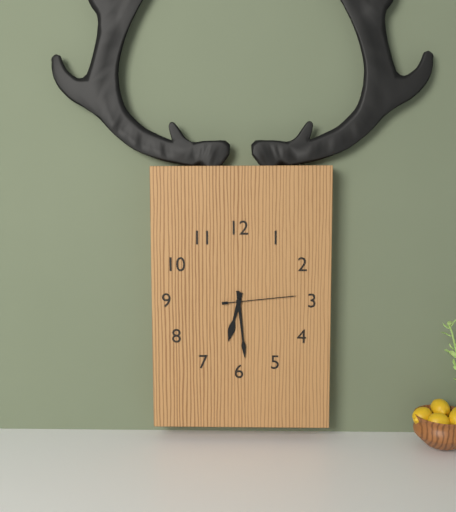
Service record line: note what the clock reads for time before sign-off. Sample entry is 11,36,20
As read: 6,29,14
